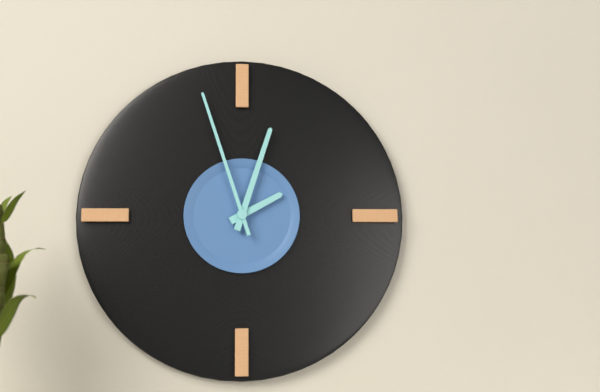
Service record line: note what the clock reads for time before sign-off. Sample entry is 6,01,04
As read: 2,03,57
